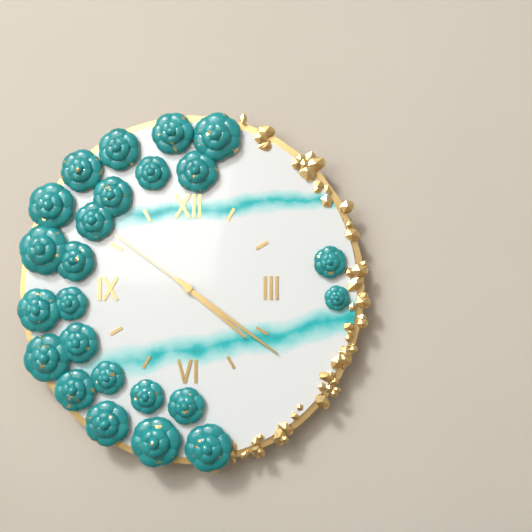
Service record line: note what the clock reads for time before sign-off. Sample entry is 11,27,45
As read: 4,21,51
